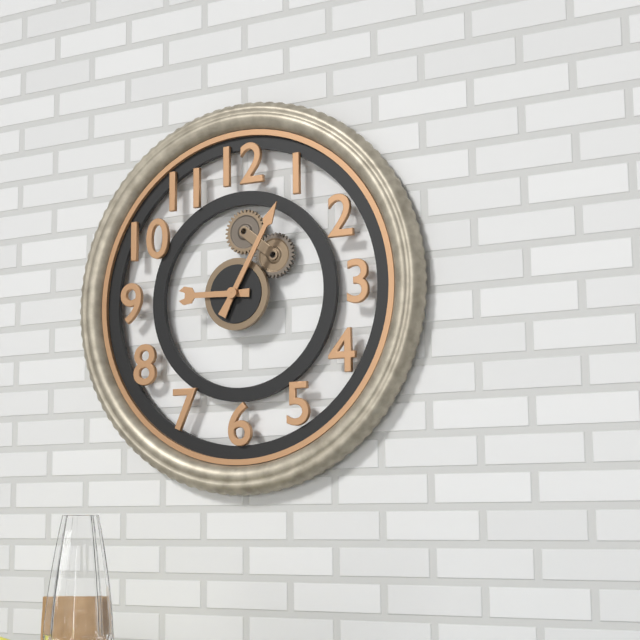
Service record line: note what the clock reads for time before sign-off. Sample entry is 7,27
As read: 9,05
